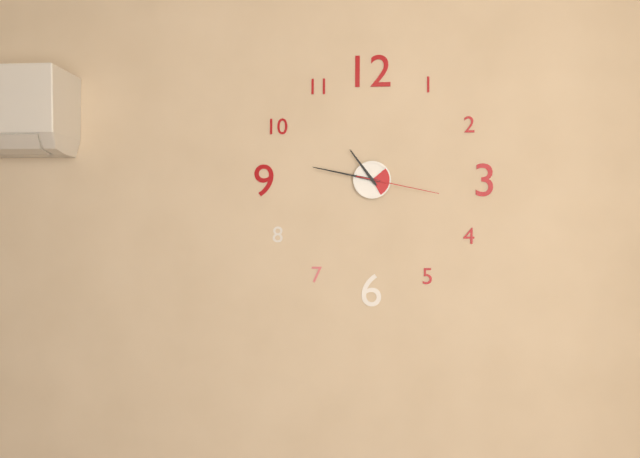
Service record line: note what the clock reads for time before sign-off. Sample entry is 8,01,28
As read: 10,47,17
